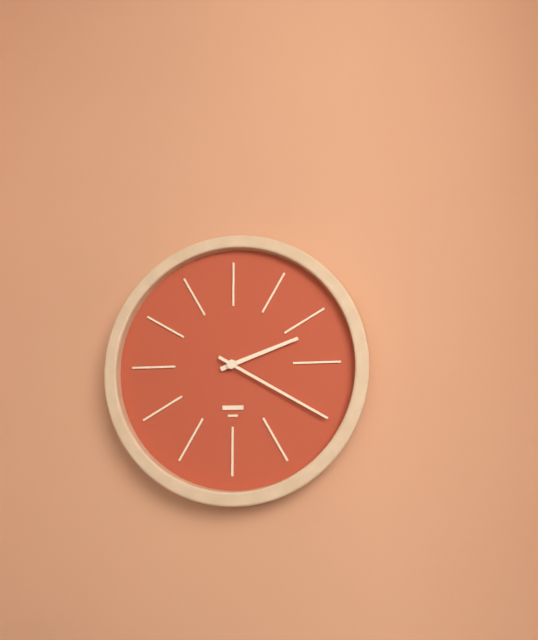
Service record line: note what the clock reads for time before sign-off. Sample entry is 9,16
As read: 2,20
